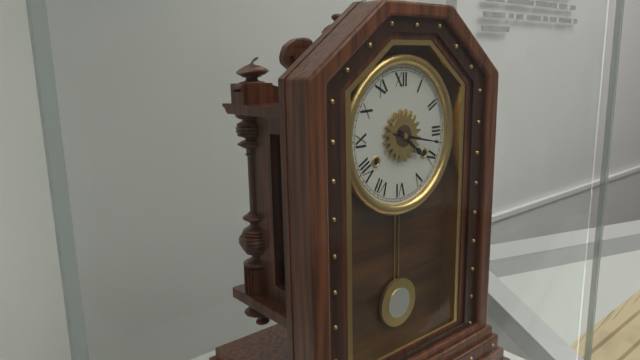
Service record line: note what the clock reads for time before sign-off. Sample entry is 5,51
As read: 4,17
